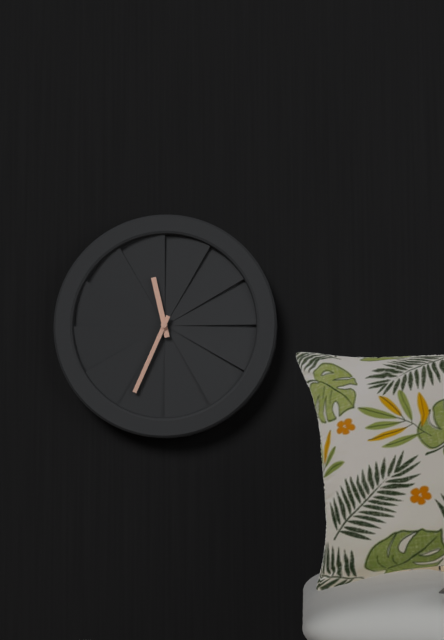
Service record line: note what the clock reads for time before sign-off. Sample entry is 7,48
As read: 11,34
